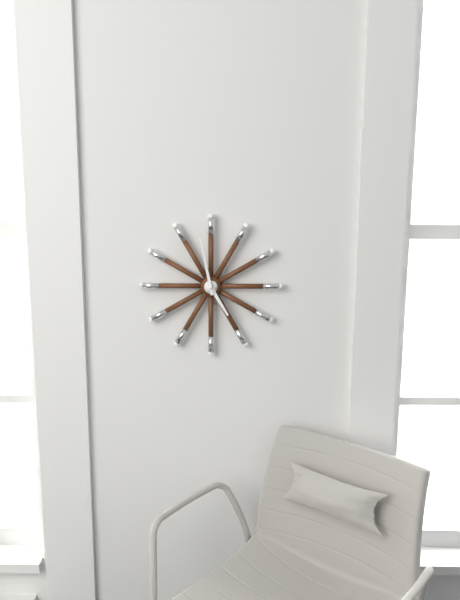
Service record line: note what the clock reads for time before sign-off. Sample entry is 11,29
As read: 4,58
